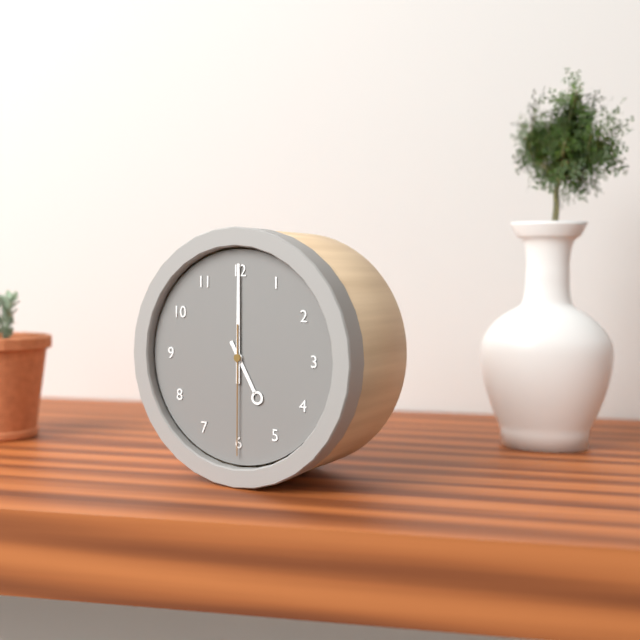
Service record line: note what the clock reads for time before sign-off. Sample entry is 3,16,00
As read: 5,00,30
